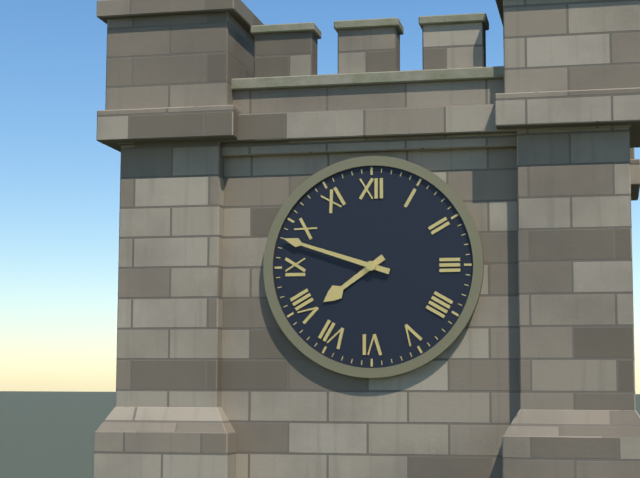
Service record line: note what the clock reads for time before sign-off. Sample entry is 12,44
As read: 7,48
